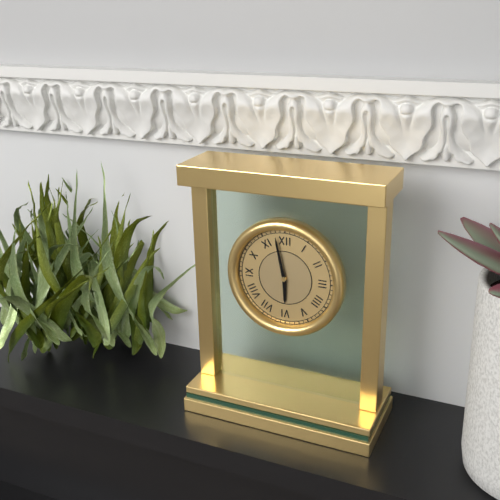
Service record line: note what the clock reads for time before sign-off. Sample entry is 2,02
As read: 5,58
